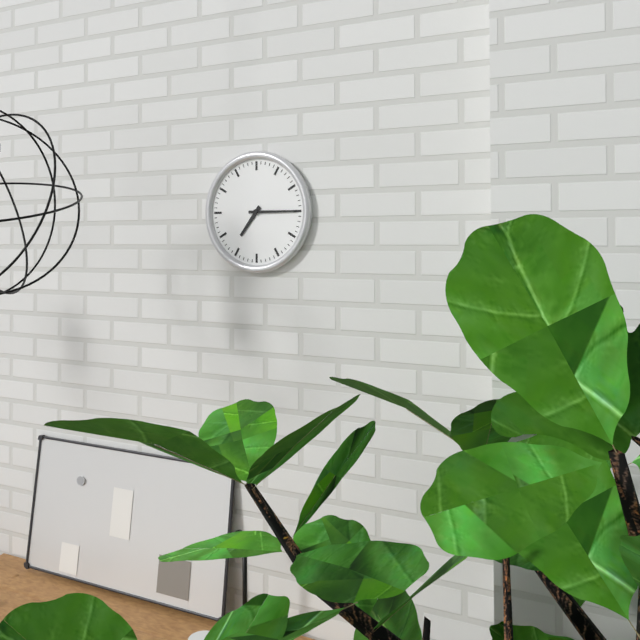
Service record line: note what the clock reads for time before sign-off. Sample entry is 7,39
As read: 7,15
